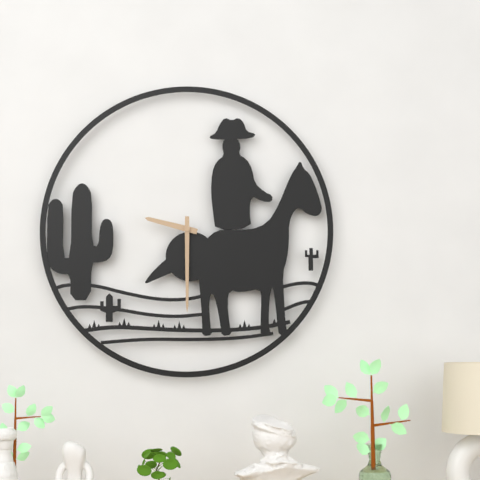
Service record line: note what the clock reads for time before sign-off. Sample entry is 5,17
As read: 9,30
